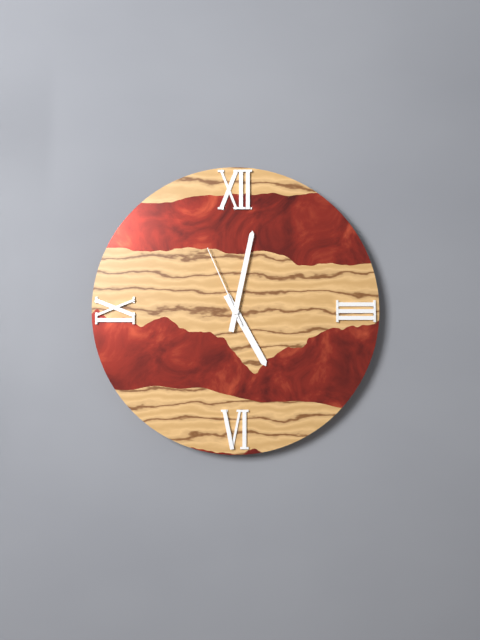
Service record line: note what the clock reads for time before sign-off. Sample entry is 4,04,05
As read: 5,02,56
